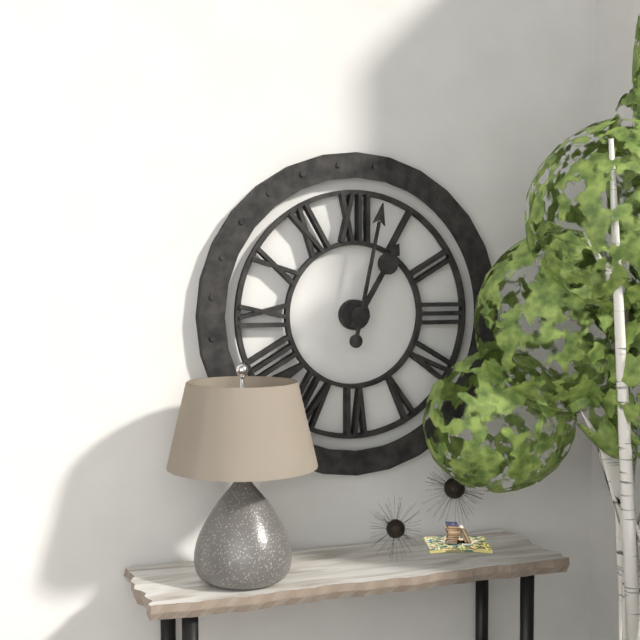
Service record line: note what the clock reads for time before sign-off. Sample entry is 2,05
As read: 1,02
